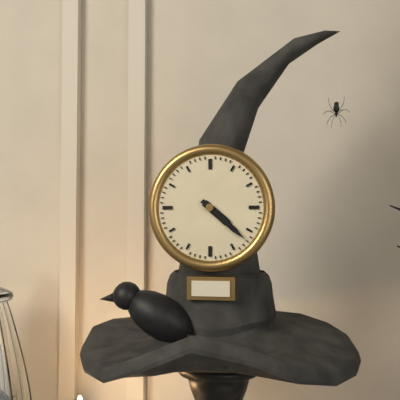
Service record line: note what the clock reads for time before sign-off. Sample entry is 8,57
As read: 4,22
